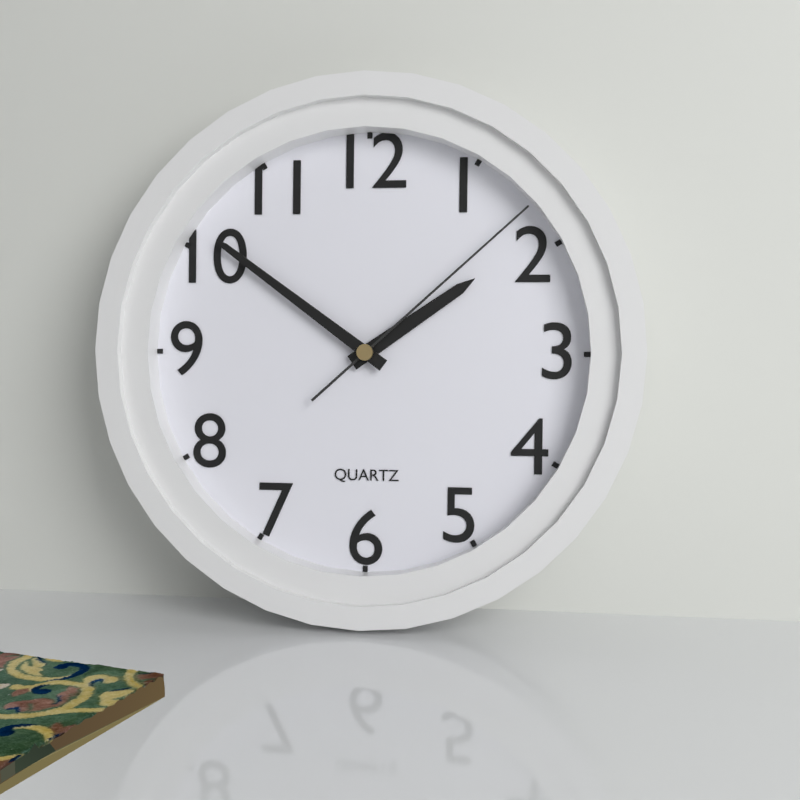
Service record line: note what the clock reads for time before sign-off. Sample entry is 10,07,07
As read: 1,51,08
